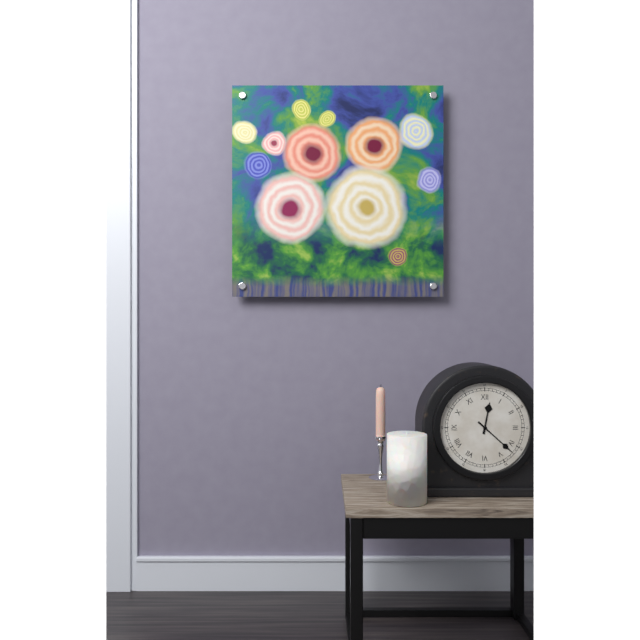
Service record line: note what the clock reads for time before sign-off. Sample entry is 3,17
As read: 12,22
